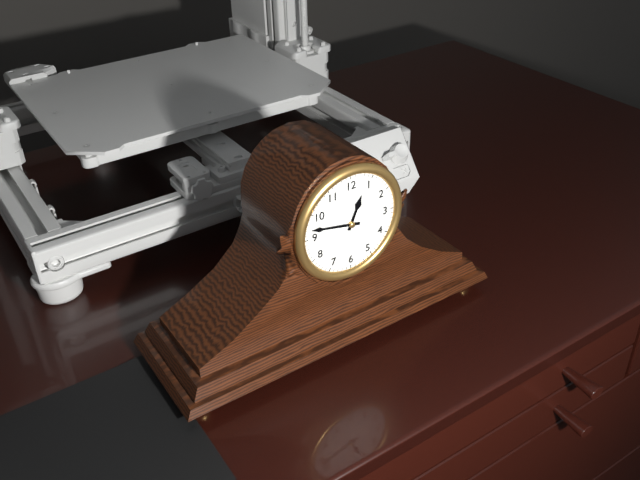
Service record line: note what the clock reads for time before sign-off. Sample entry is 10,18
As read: 12,47
